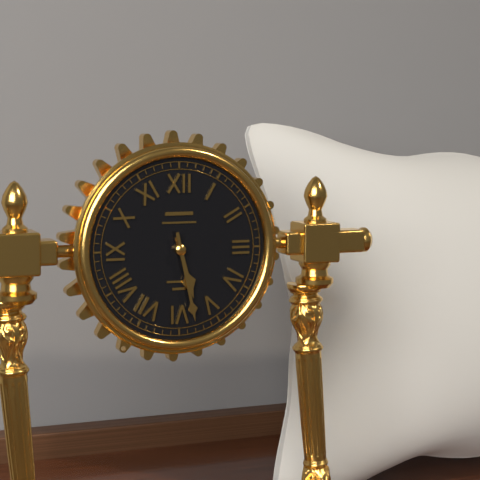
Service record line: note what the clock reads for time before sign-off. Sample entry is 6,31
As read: 5,28
